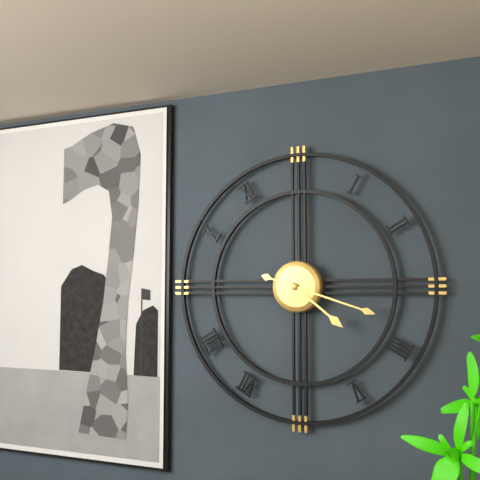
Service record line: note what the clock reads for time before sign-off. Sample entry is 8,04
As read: 4,18
